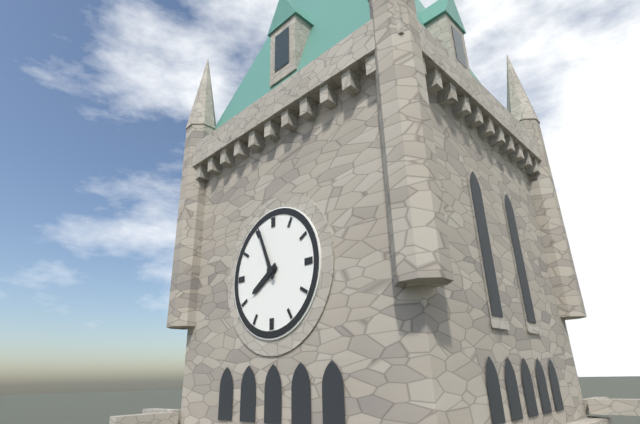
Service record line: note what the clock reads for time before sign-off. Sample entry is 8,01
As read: 7,56
